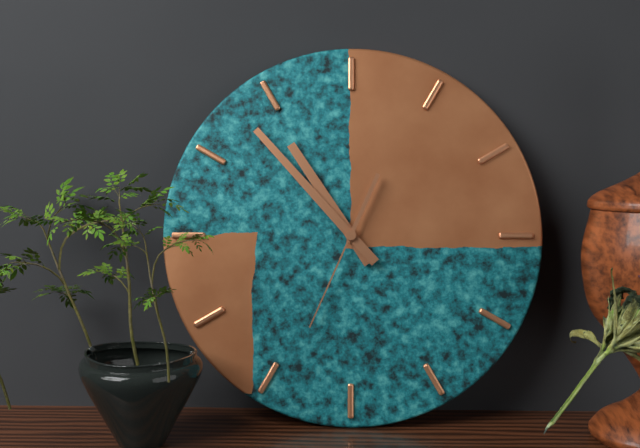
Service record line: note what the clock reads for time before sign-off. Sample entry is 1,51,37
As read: 10,53,34
